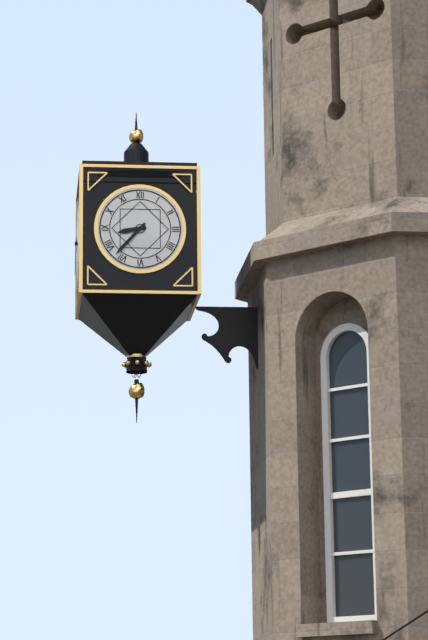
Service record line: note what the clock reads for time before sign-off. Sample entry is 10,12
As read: 8,37
